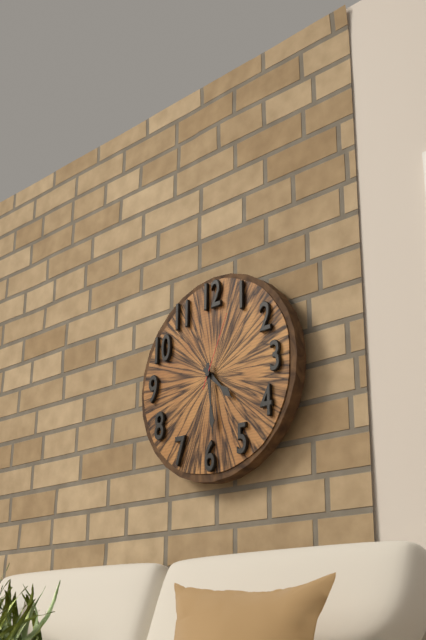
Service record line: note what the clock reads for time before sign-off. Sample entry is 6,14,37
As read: 4,29,04
